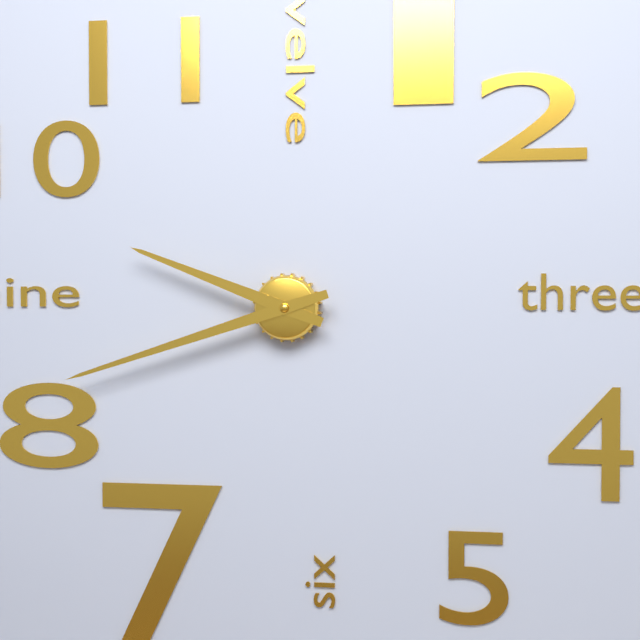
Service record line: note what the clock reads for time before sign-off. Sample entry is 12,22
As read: 9,42
